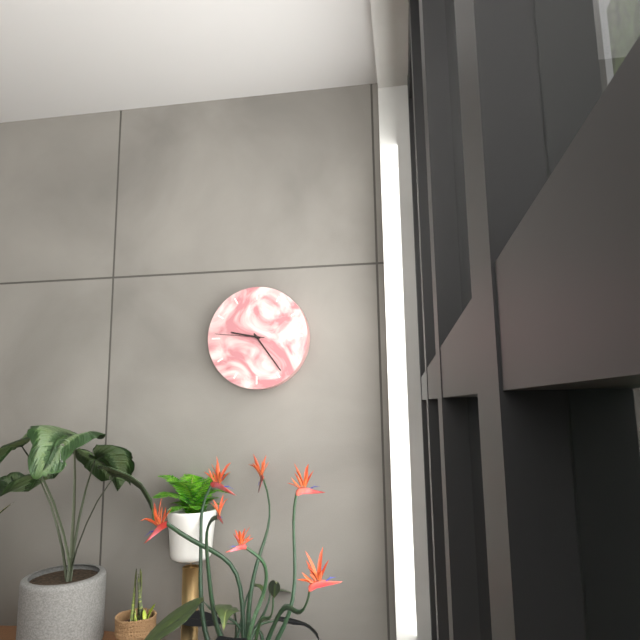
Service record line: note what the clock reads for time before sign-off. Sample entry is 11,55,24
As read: 9,24,46
